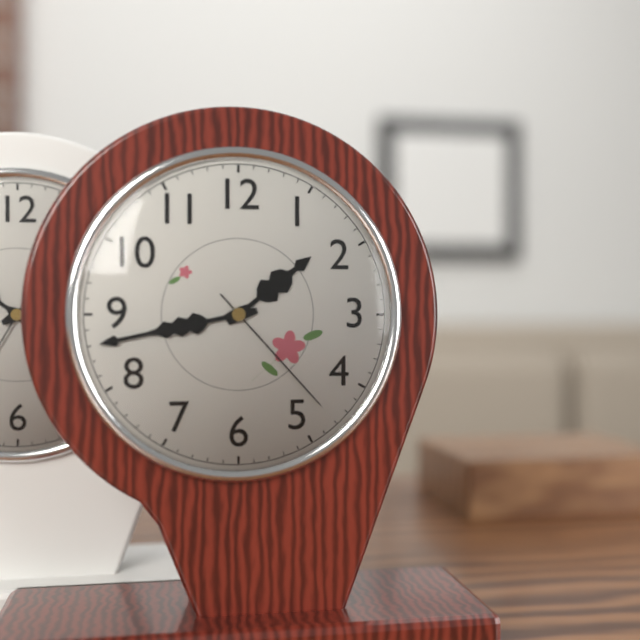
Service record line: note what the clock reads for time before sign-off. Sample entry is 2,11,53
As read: 1,43,23
